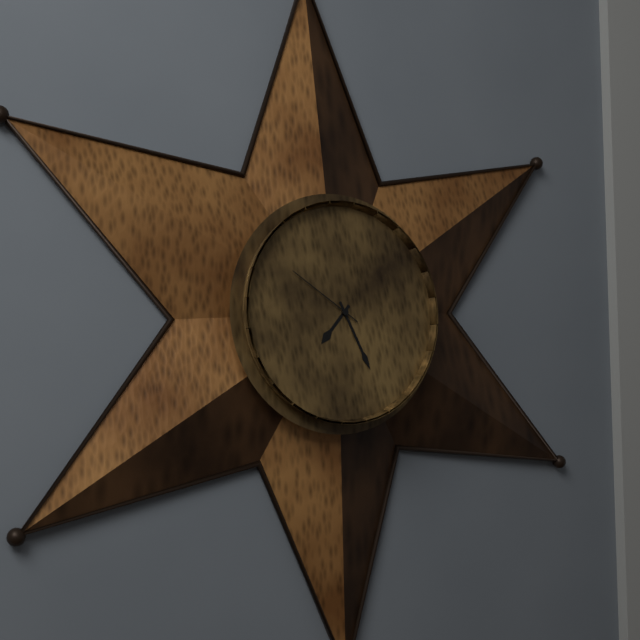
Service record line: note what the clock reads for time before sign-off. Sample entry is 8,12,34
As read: 7,26,51
